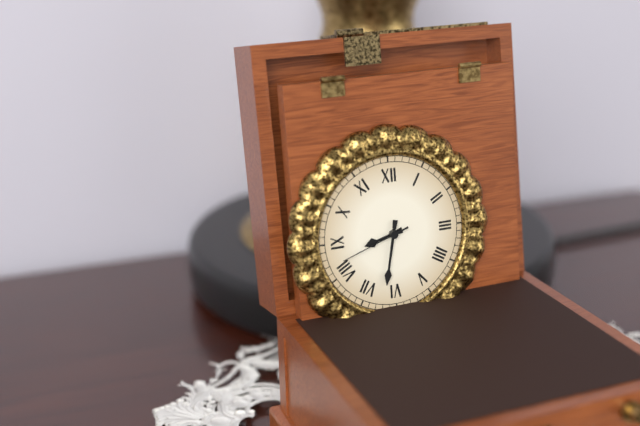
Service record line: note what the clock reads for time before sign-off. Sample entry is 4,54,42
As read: 8,32,42
